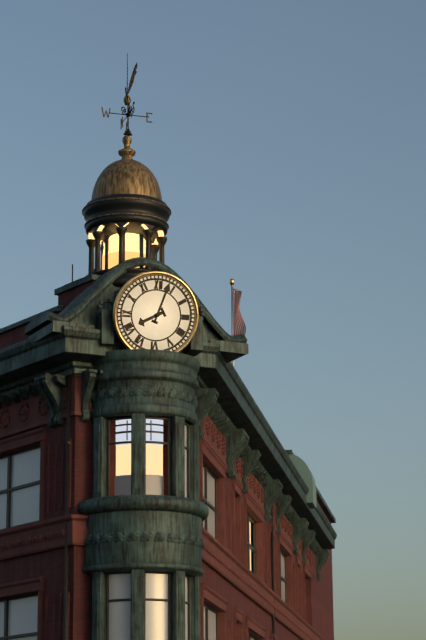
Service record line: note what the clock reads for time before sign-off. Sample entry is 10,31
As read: 8,03
